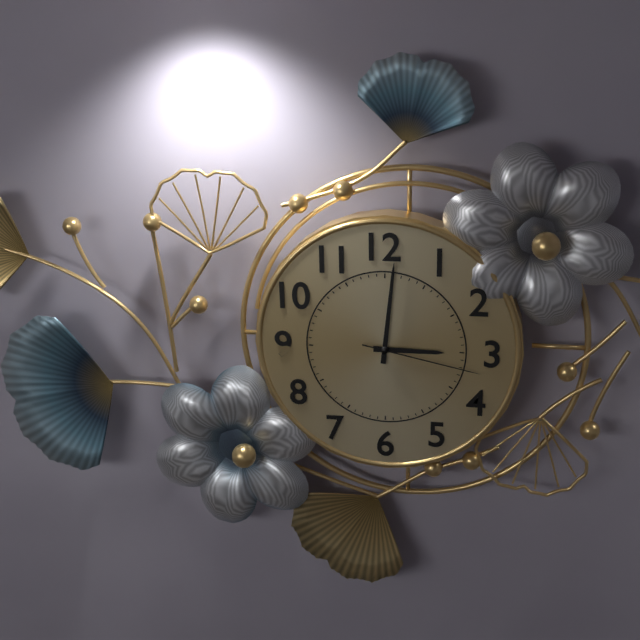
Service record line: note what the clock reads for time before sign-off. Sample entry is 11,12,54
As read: 3,01,17
